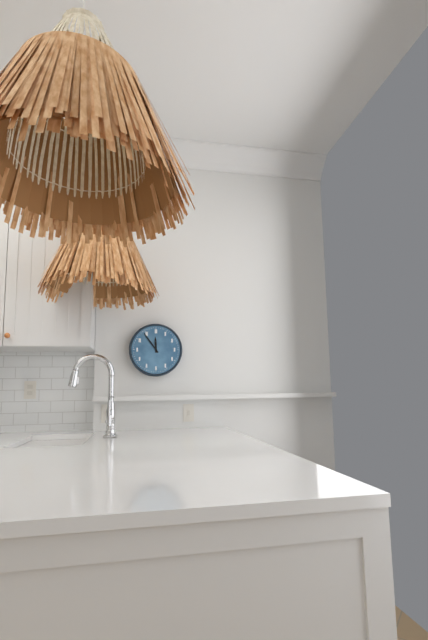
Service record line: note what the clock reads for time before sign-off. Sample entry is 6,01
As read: 11,54
